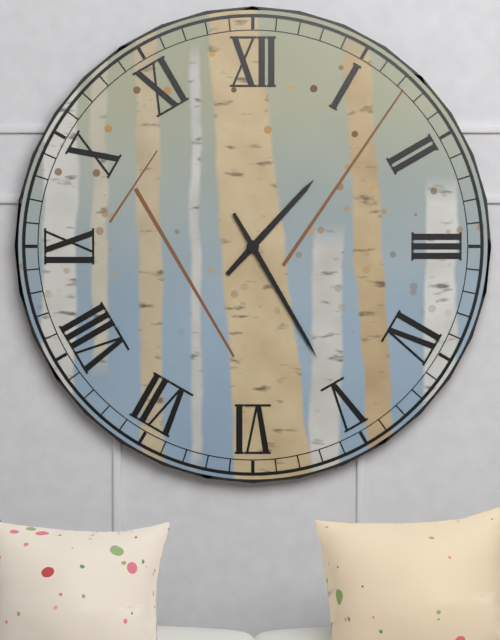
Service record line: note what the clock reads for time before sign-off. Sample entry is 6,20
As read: 1,25
